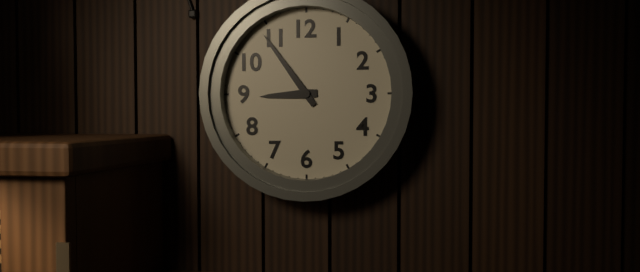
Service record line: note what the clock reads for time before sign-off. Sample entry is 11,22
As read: 8,54
